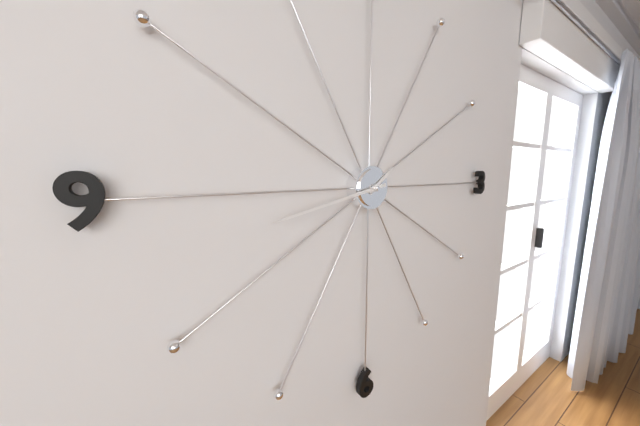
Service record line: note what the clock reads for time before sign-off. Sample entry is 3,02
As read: 1,43
